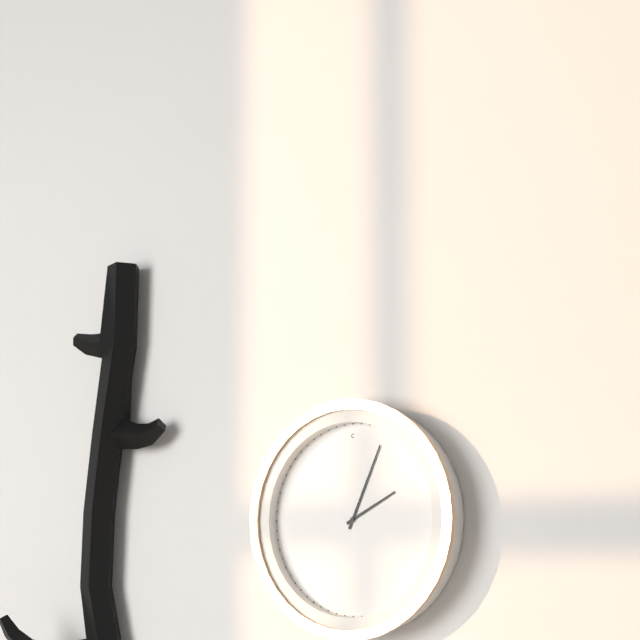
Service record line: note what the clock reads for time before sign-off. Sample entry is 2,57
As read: 2,04
